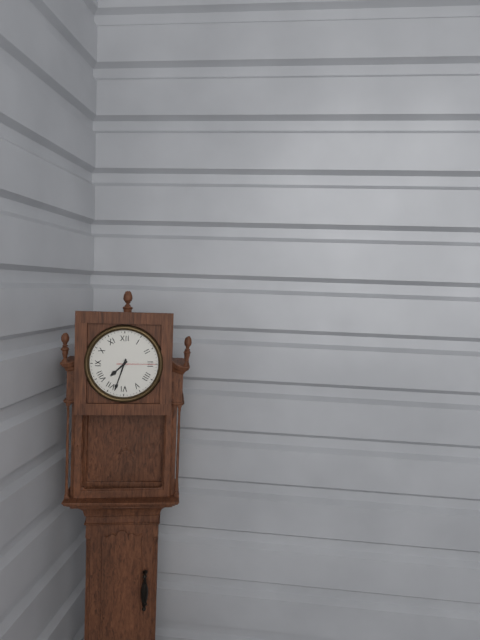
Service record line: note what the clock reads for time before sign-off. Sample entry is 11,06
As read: 7,33
